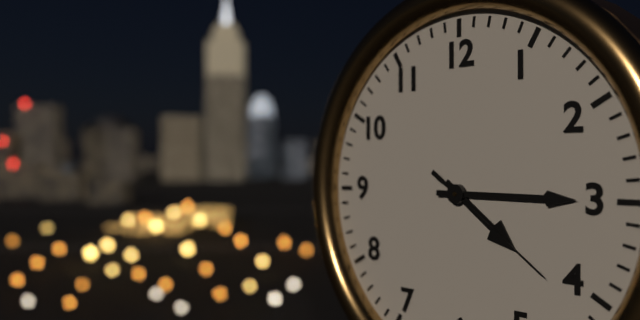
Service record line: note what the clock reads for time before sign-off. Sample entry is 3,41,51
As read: 4,15,21
